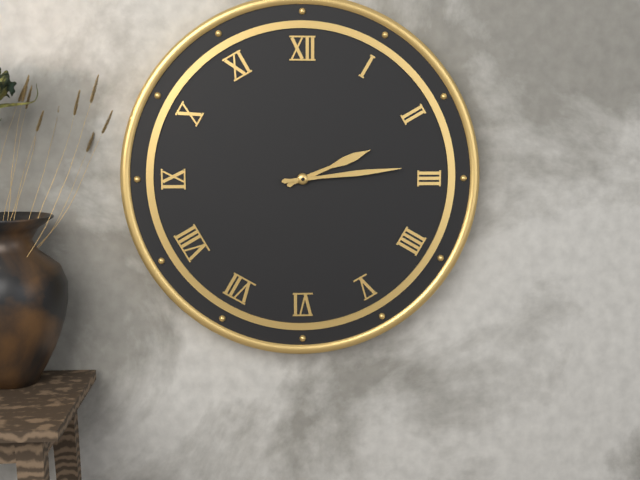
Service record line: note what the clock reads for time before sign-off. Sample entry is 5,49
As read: 2,14
